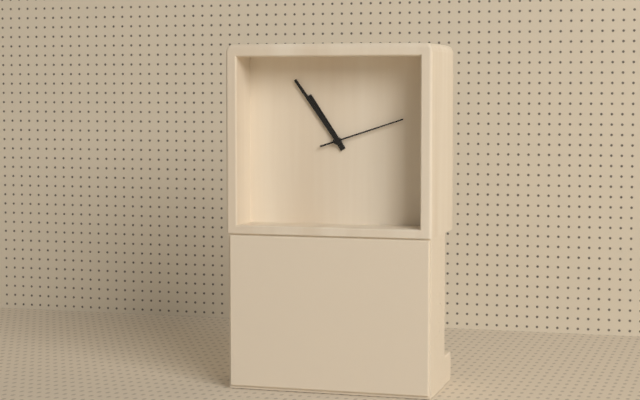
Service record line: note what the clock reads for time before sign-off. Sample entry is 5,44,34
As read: 10,54,12
